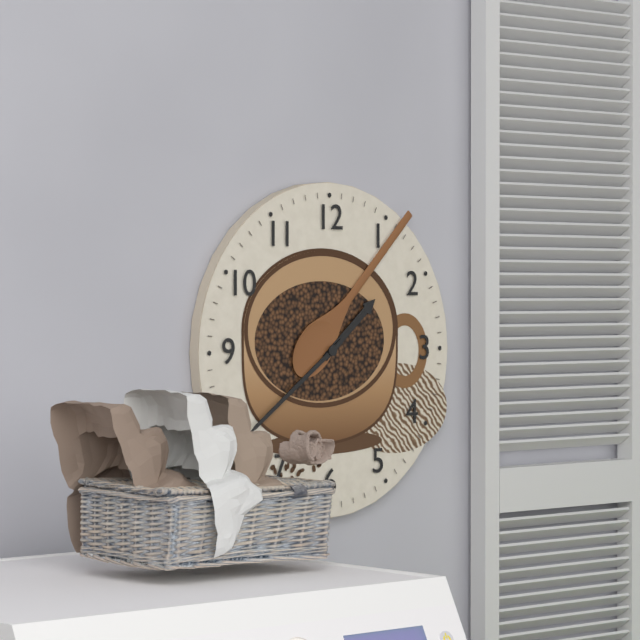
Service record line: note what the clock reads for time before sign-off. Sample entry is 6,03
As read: 1,39
